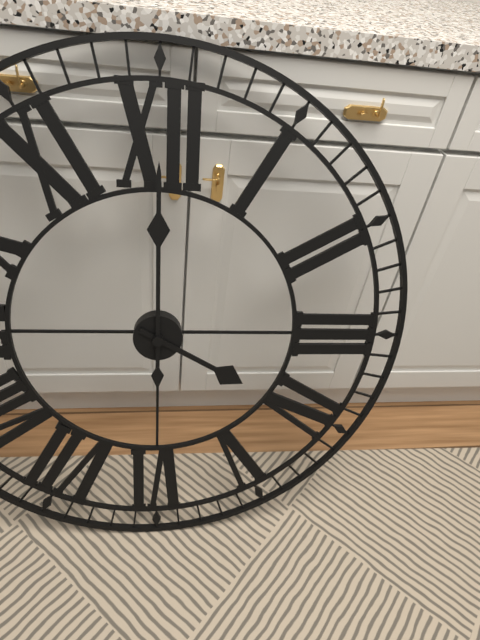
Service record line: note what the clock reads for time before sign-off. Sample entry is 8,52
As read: 4,00
